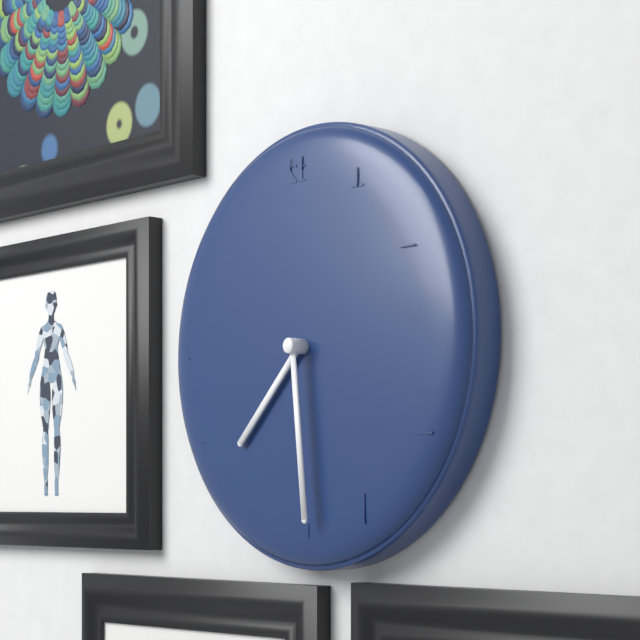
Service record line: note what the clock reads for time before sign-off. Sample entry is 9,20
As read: 7,29
